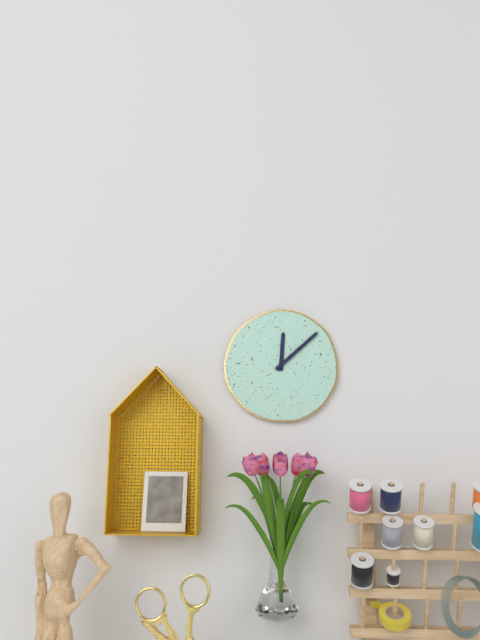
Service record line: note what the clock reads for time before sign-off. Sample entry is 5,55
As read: 12,08
